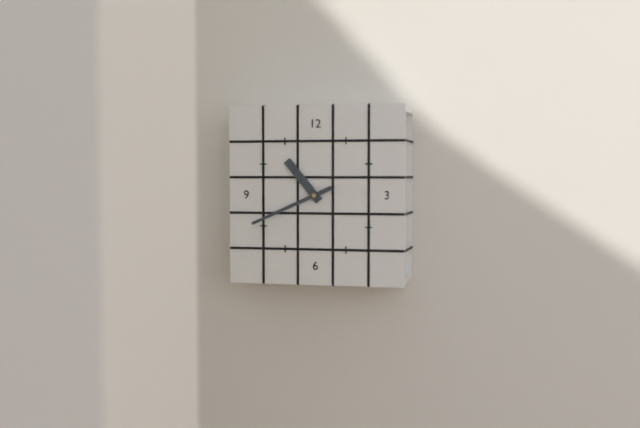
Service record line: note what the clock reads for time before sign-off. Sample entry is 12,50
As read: 10,41
